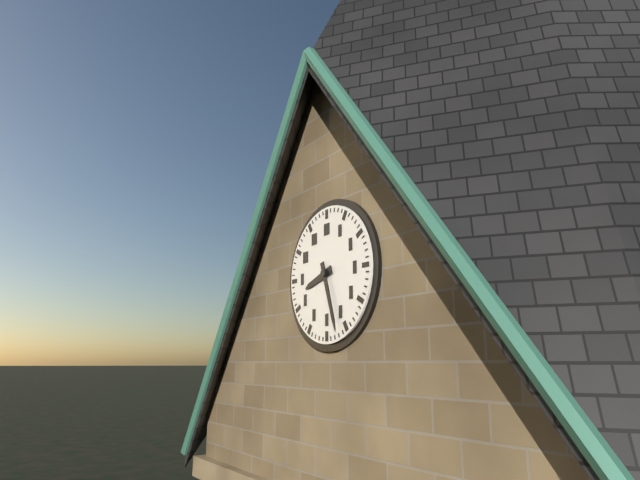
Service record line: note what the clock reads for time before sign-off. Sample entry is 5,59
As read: 8,27
